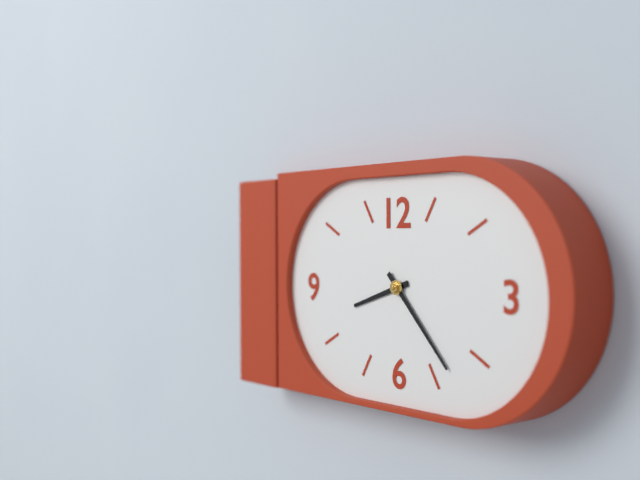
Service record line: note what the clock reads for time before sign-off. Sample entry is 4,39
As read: 8,23
